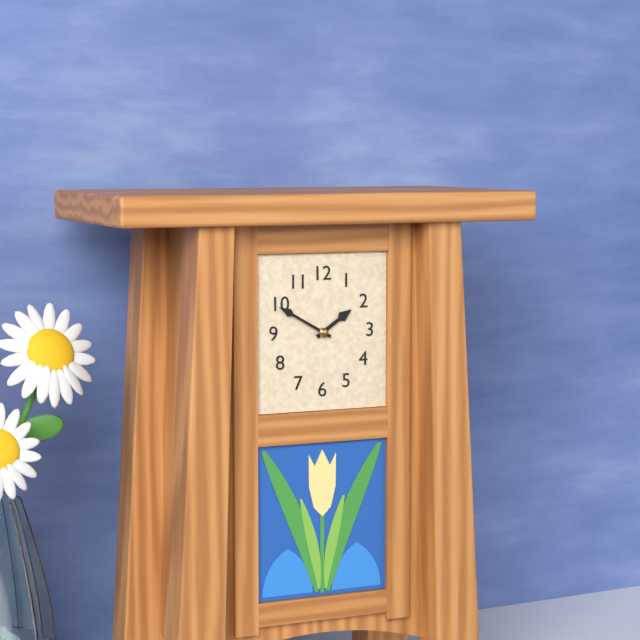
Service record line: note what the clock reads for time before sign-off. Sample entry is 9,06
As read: 1,50
